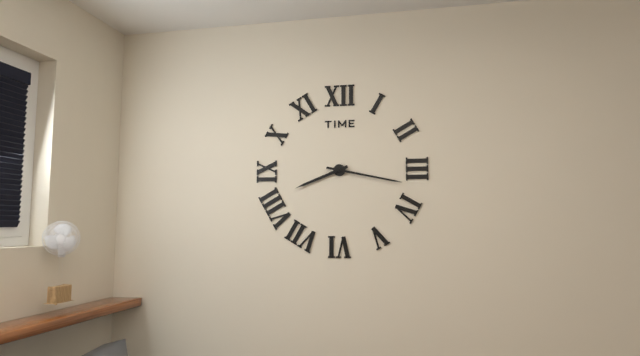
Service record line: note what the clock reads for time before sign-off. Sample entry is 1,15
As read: 8,17
